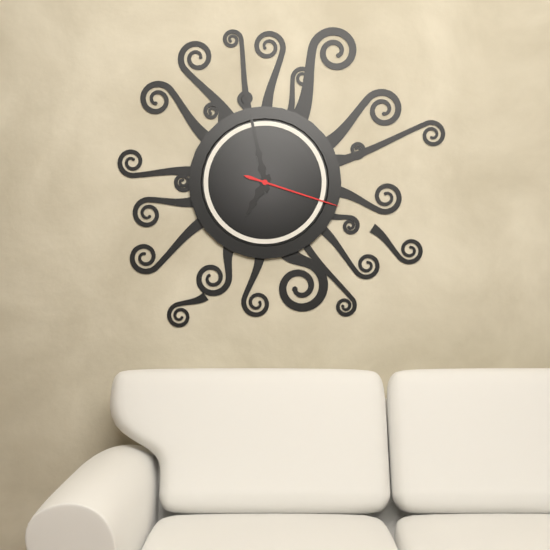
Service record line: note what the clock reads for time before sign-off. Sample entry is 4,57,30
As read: 6,58,18
